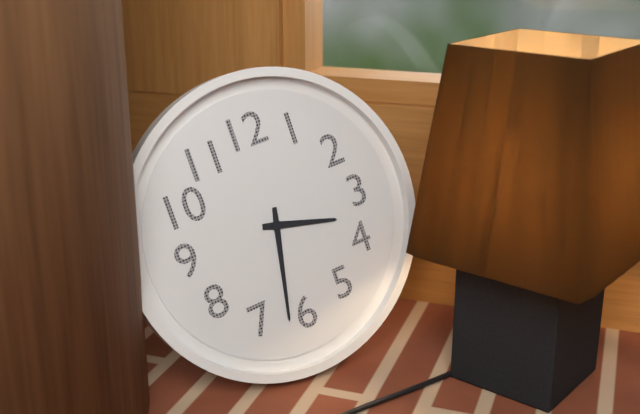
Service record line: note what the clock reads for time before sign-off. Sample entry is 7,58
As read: 3,32
